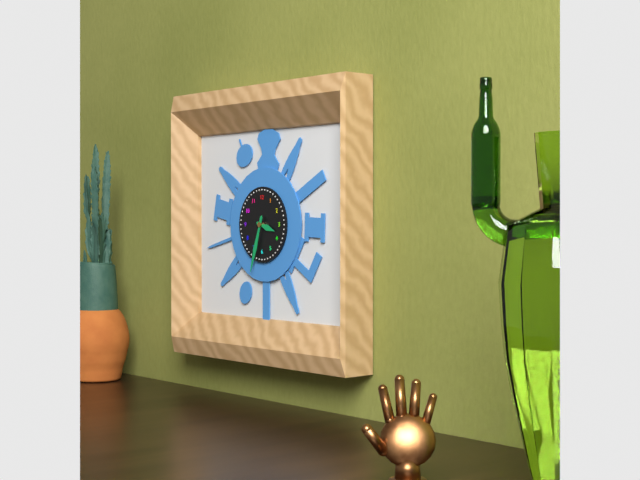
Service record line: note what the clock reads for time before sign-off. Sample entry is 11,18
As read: 3,33
